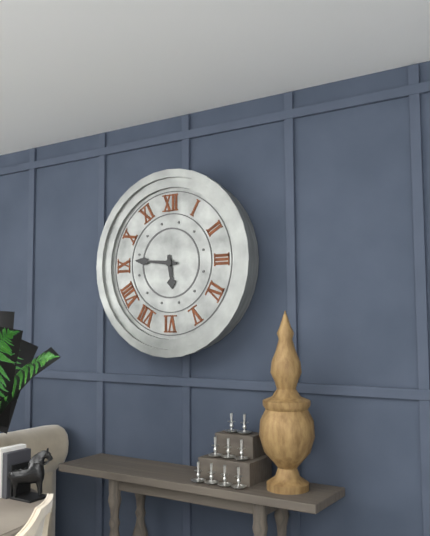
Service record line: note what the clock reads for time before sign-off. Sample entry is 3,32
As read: 5,46
